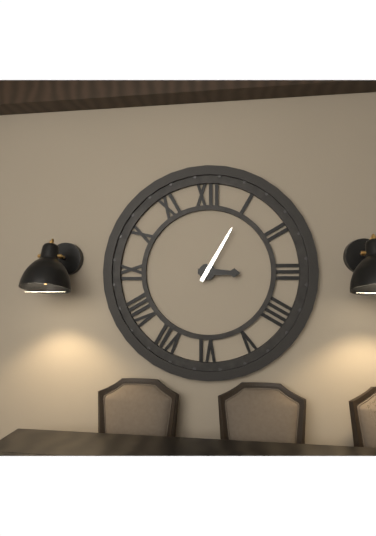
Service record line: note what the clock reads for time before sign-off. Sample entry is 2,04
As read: 3,05
